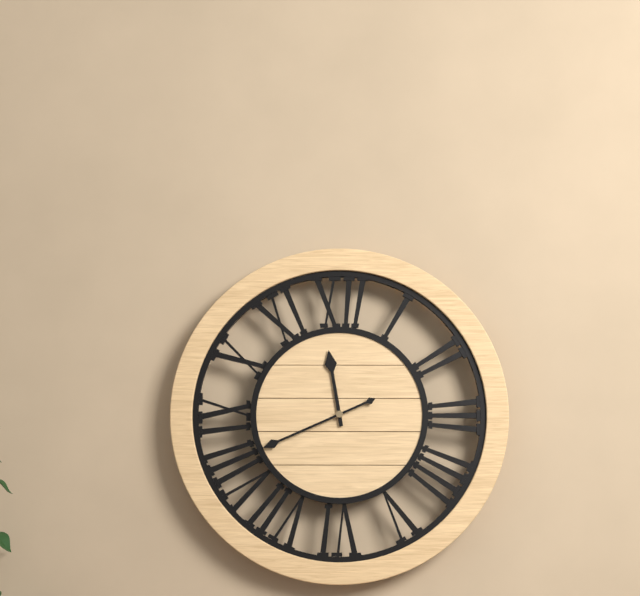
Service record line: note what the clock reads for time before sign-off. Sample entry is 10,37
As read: 11,41
